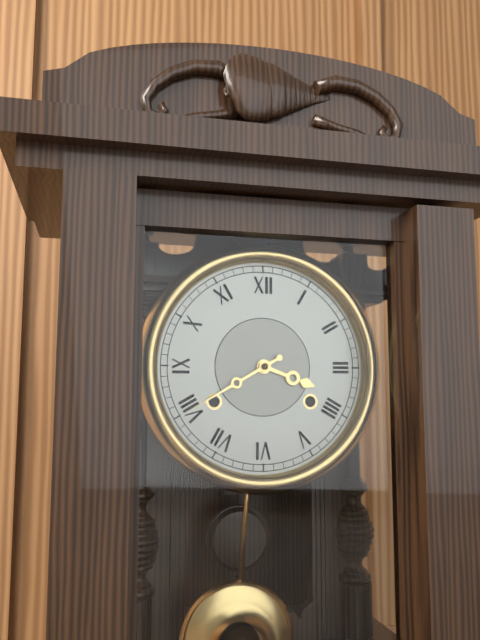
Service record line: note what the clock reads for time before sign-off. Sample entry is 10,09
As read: 3,40
